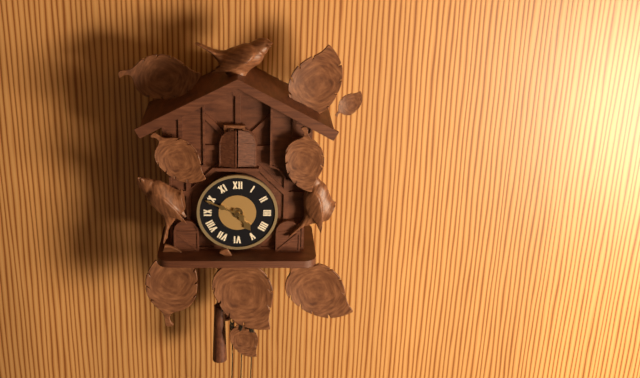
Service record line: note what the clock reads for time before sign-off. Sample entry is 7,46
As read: 4,49
